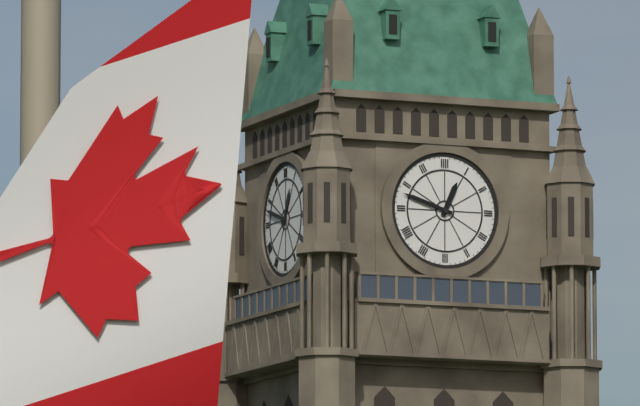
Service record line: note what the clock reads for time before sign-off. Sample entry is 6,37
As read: 12,48
